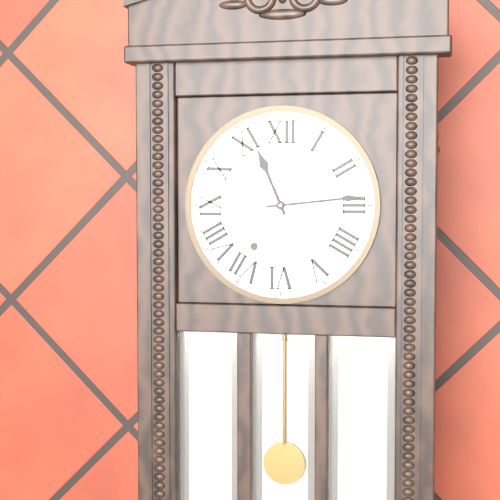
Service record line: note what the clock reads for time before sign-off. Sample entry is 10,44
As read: 11,14
